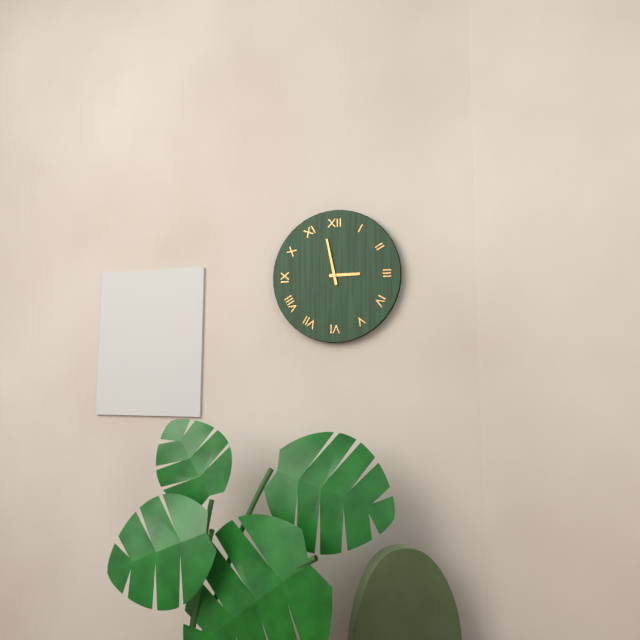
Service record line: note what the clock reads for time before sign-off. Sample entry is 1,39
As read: 2,58
